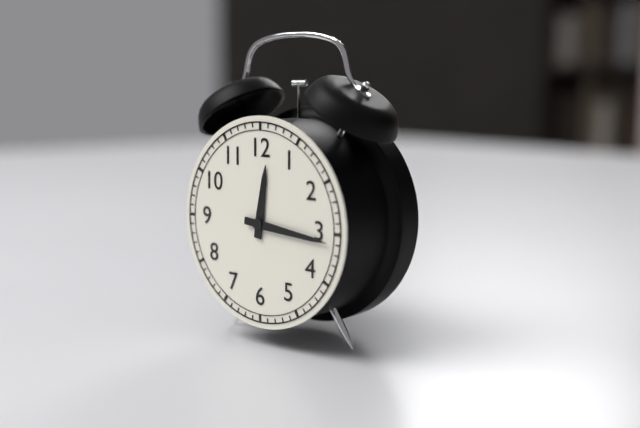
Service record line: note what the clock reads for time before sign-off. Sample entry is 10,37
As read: 12,16
